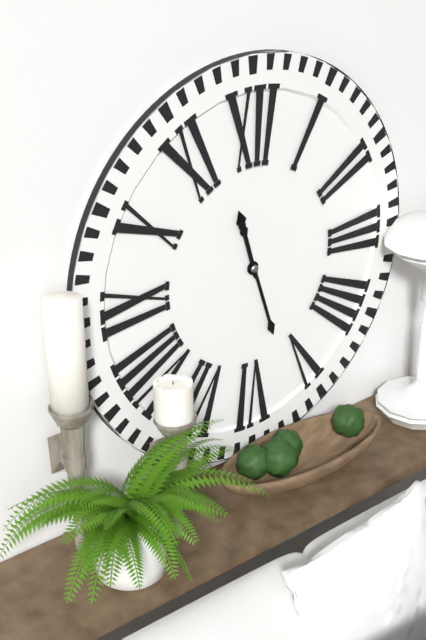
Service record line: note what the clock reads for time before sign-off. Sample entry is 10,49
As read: 11,27
